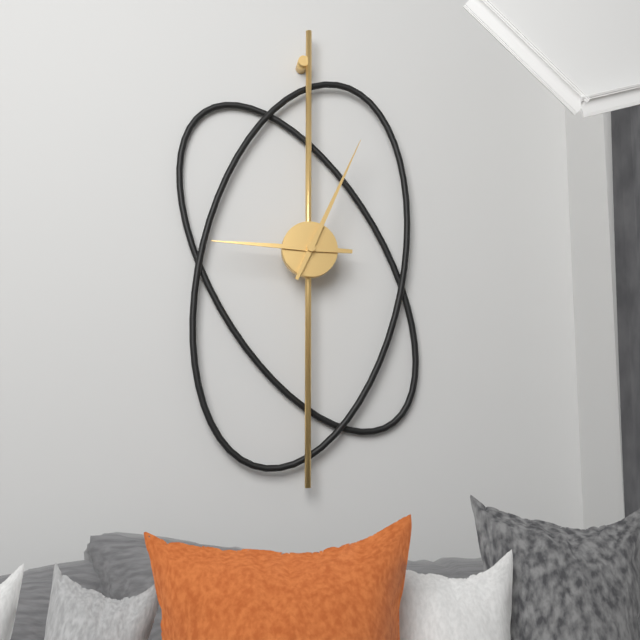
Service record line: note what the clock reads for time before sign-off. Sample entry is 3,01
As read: 9,04
